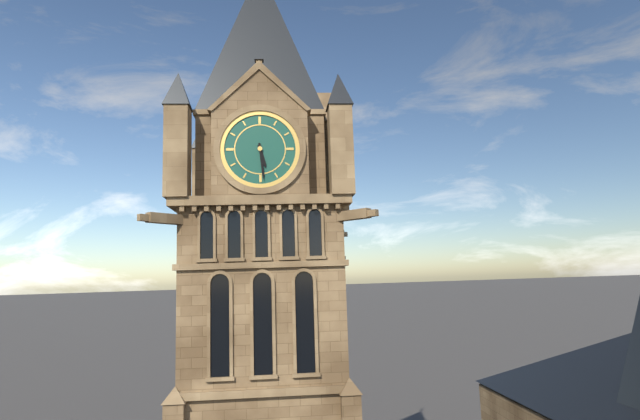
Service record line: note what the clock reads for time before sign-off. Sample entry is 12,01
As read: 5,29
